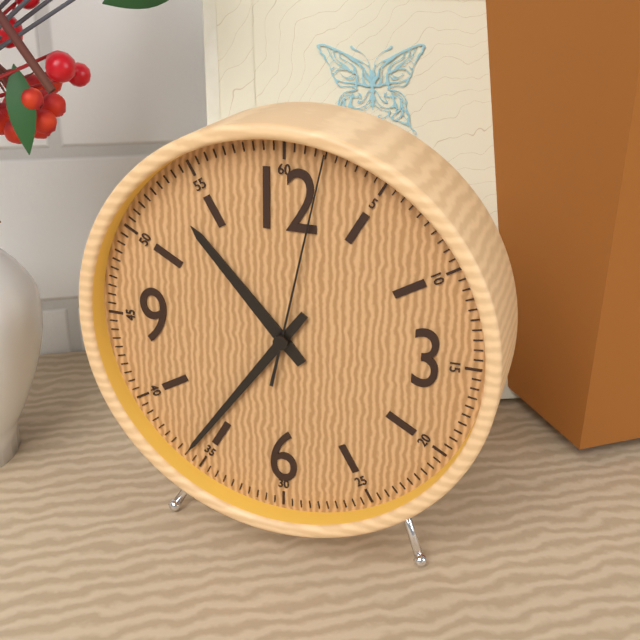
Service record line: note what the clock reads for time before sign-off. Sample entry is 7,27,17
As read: 10,36,02
